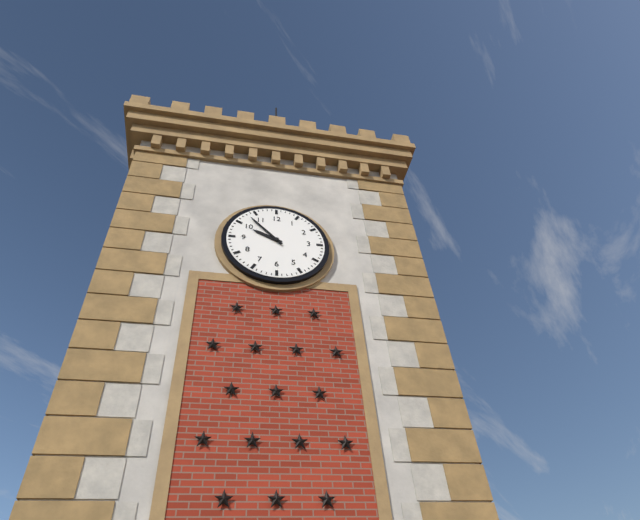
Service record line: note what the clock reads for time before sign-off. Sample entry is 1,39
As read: 9,53
